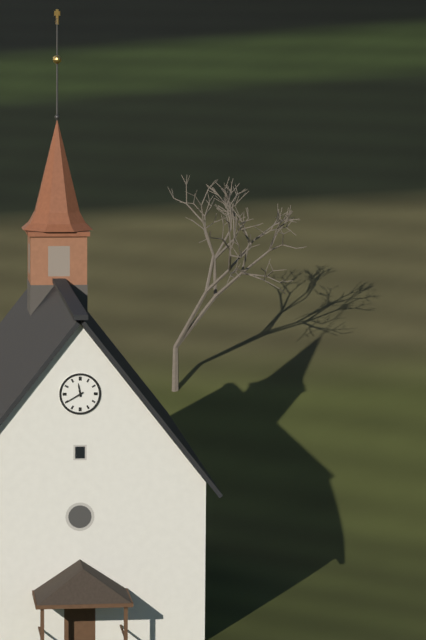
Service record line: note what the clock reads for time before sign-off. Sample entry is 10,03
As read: 11,40
